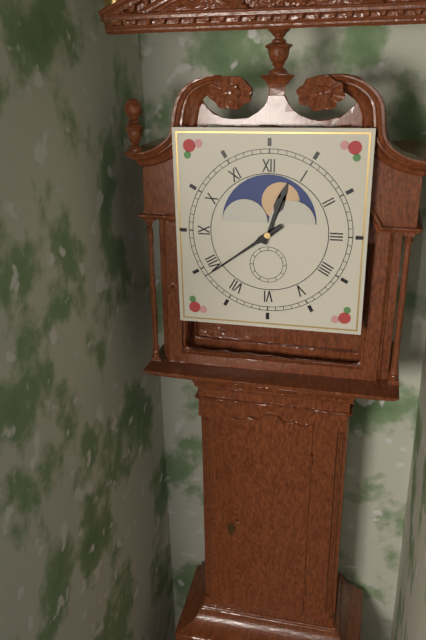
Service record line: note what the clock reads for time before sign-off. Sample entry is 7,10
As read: 12,39
